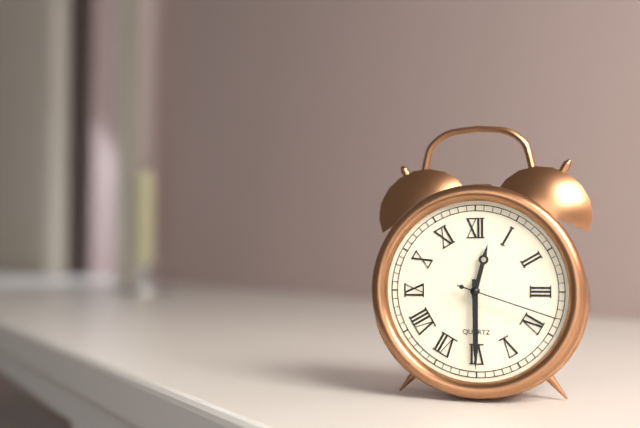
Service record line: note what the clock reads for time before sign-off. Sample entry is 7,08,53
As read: 12,30,18
